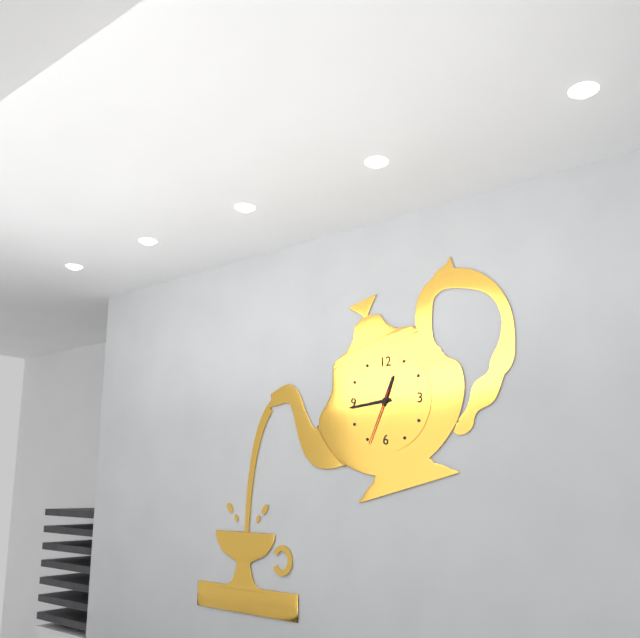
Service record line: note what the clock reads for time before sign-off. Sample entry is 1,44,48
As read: 12,44,34
